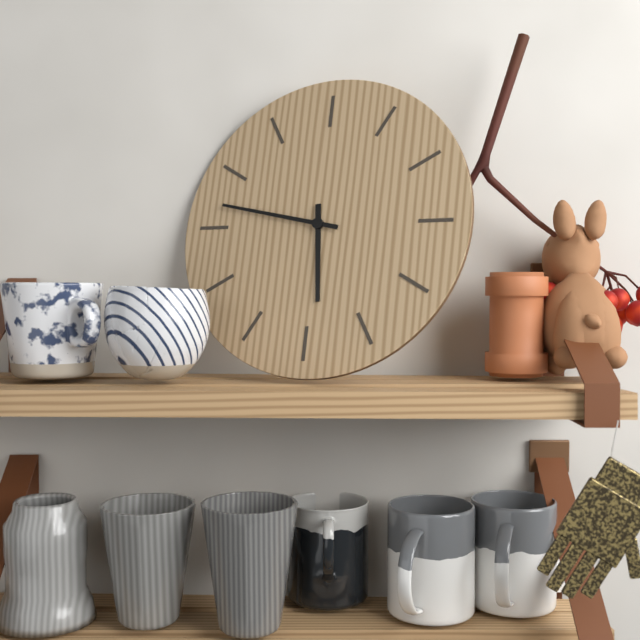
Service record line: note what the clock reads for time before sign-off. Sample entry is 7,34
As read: 5,47
